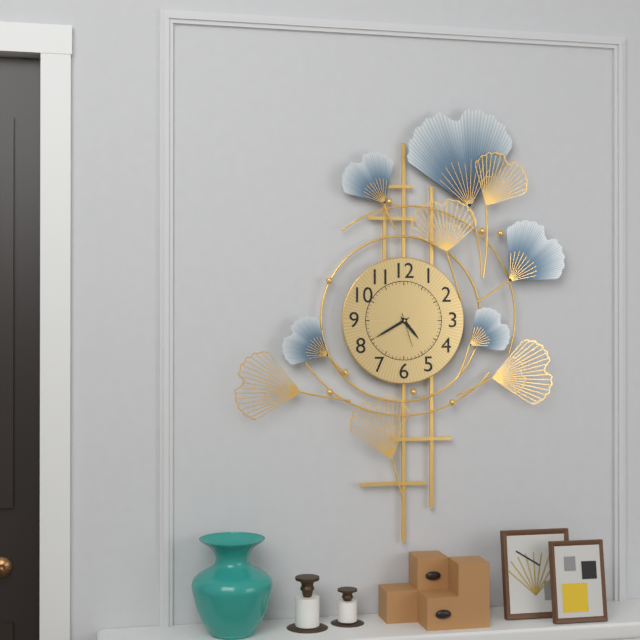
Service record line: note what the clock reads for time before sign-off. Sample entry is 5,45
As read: 4,40
